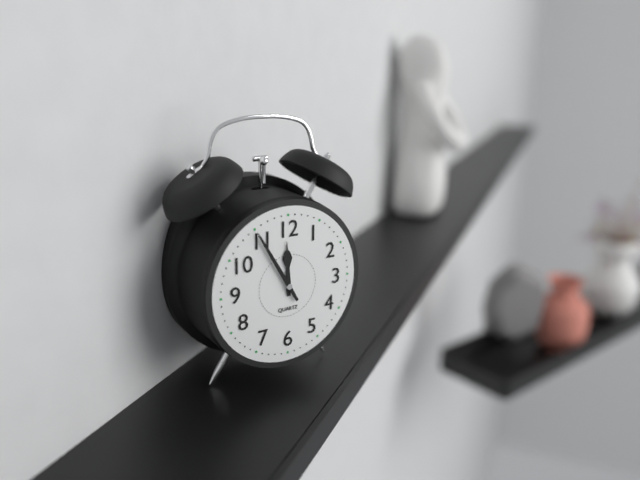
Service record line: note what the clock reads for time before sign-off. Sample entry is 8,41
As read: 11,55
